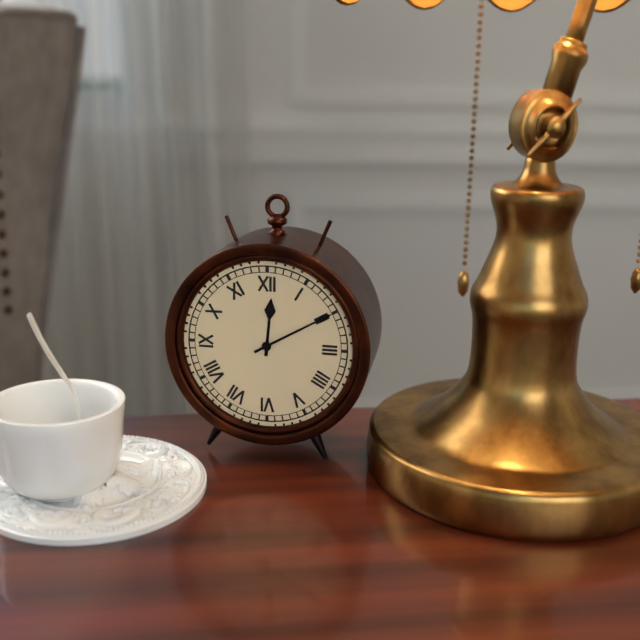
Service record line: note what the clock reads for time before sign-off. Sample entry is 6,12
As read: 12,10
